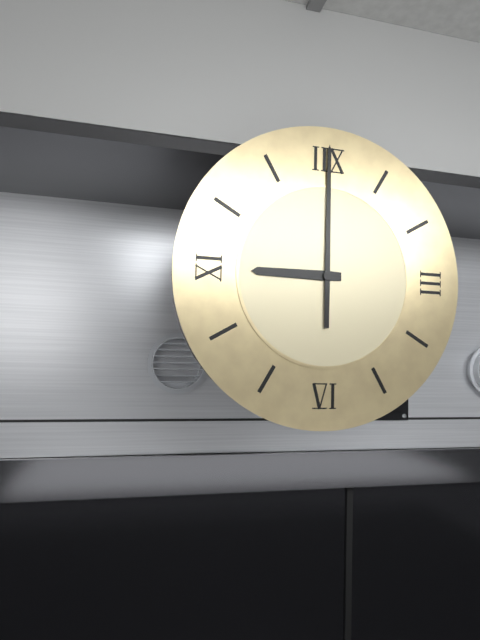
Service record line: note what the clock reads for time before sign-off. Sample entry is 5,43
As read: 9,00
